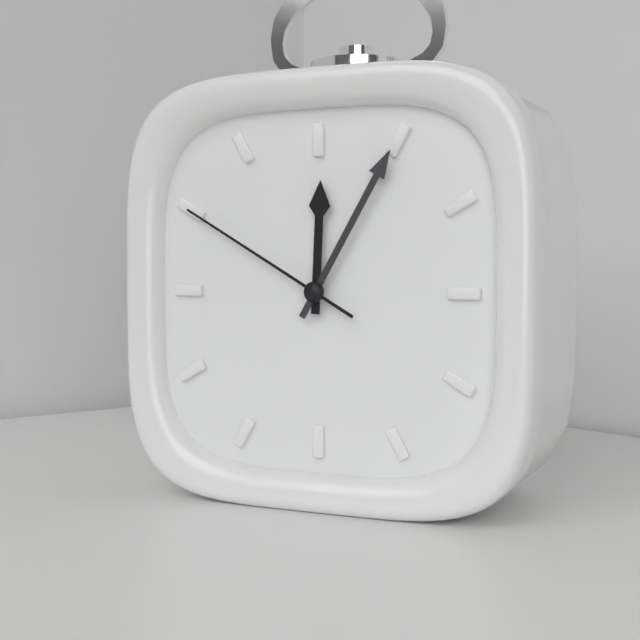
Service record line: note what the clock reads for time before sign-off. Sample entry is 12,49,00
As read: 12,05,50
